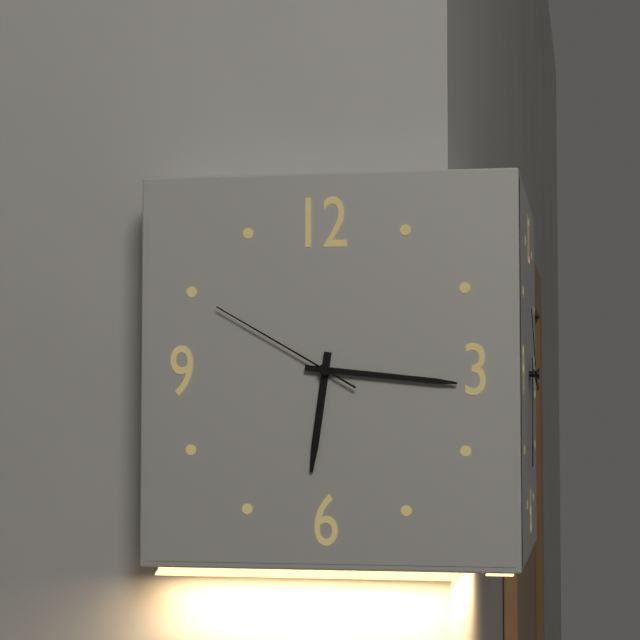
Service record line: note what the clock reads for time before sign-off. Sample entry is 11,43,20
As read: 6,16,50
